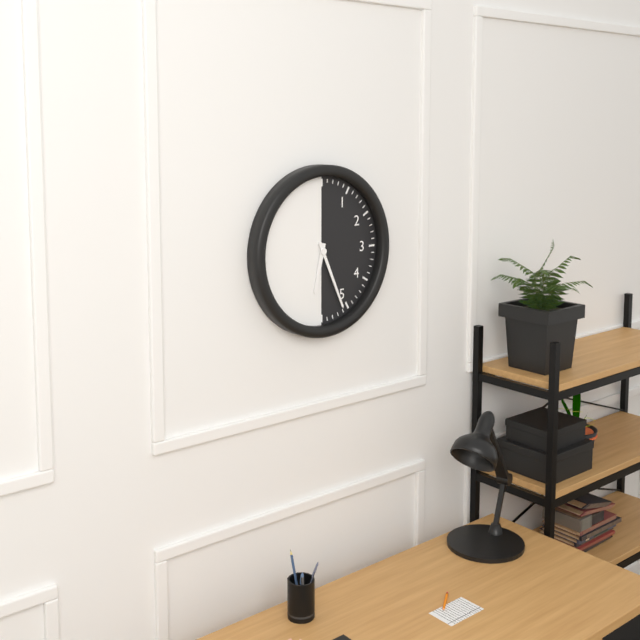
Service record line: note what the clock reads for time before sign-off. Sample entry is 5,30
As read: 6,26
